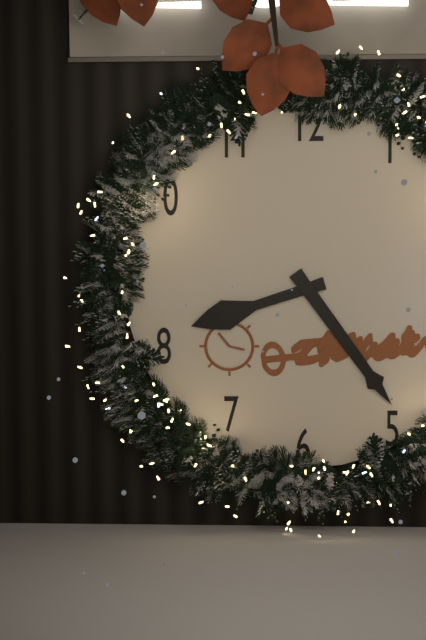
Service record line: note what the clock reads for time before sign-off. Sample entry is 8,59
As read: 8,24
